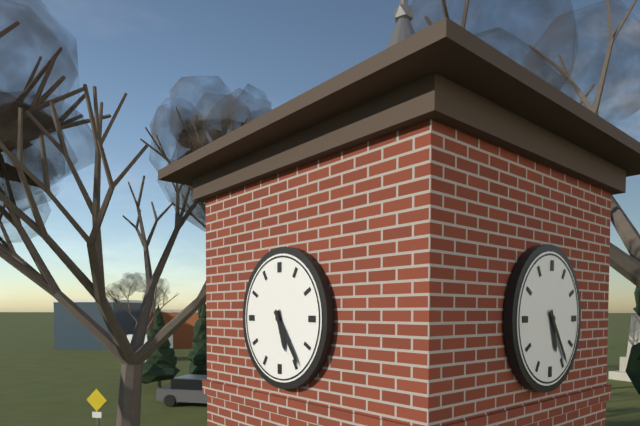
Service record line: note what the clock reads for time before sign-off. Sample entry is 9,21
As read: 5,24
